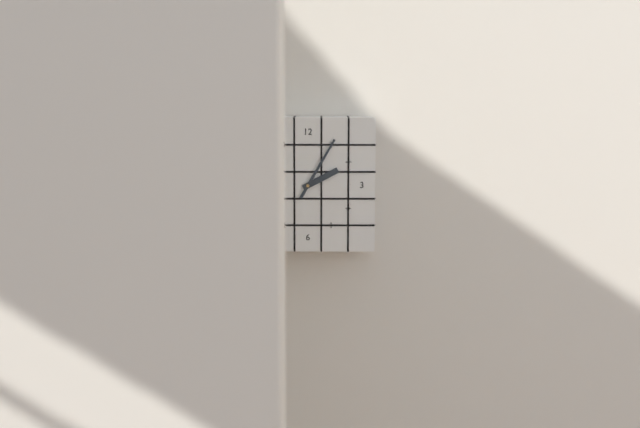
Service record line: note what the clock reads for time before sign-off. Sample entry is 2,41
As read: 2,05
